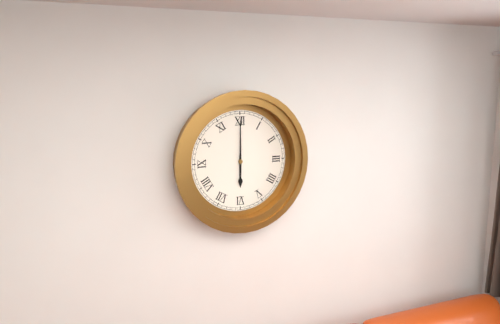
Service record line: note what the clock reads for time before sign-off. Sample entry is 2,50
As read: 6,00
